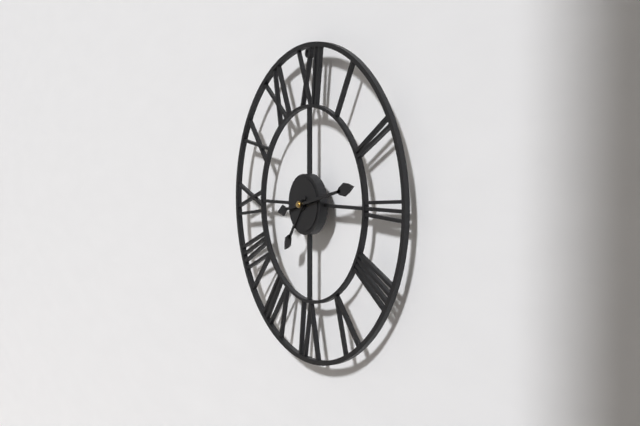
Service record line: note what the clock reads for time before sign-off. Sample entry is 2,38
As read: 7,13
